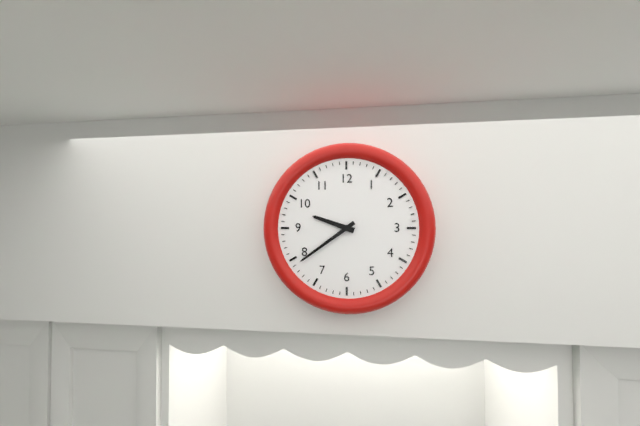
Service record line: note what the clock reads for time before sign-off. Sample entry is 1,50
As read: 9,39
